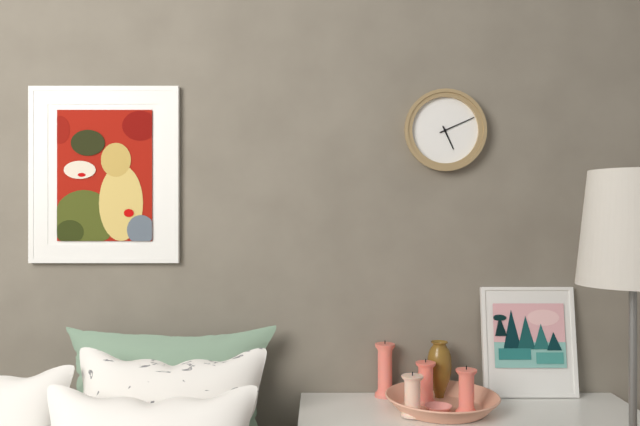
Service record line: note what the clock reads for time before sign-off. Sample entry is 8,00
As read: 5,11
